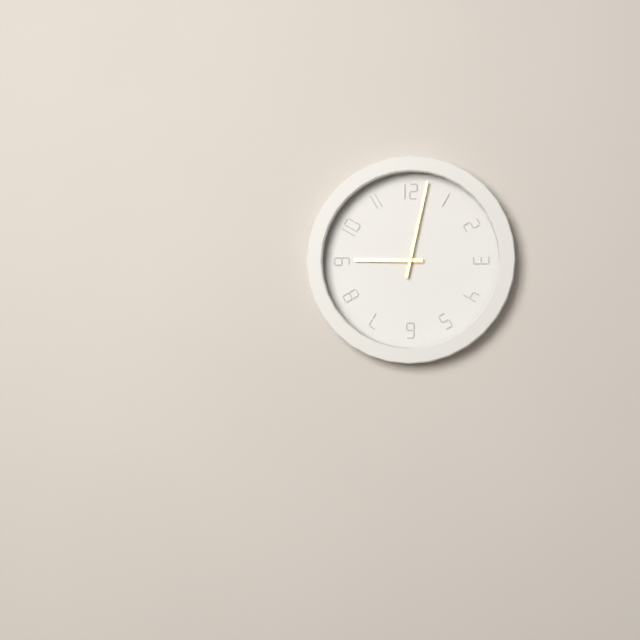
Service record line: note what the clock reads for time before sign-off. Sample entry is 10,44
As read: 9,02
